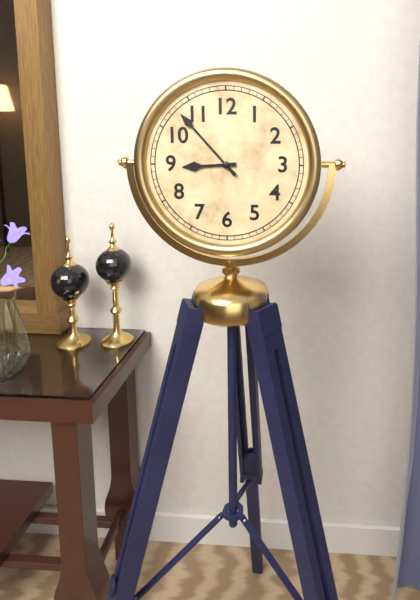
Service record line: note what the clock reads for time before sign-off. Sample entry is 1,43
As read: 8,53
